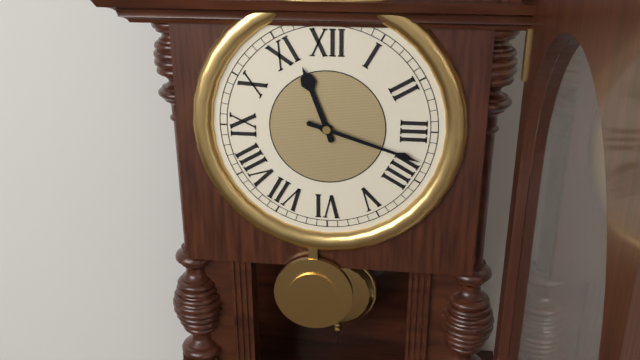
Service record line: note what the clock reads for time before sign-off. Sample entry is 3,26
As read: 11,18
